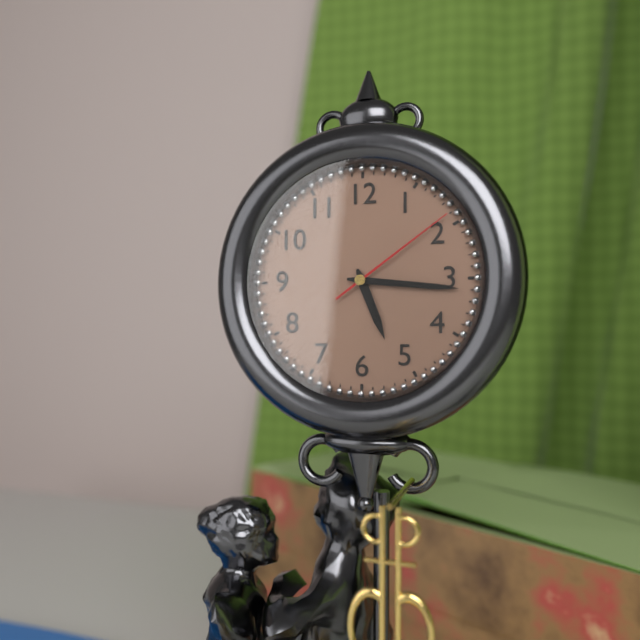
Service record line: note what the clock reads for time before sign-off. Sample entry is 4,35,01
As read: 5,16,09
